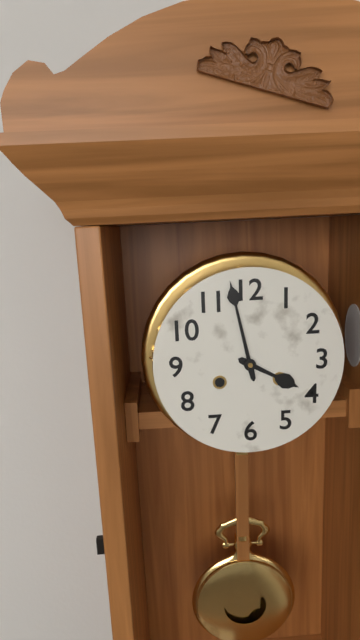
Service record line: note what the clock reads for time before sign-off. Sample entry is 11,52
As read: 3,58
